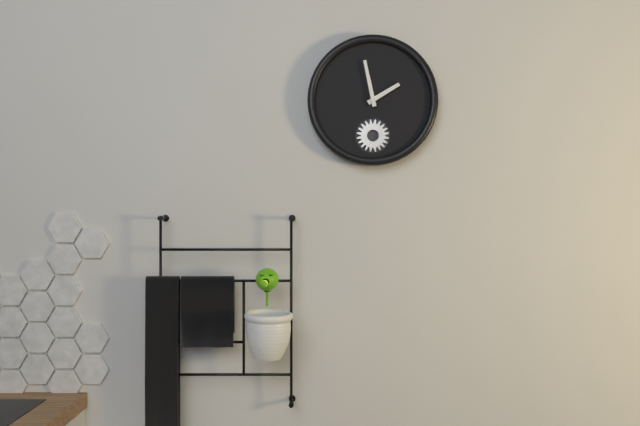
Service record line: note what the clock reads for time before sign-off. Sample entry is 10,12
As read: 1,58
